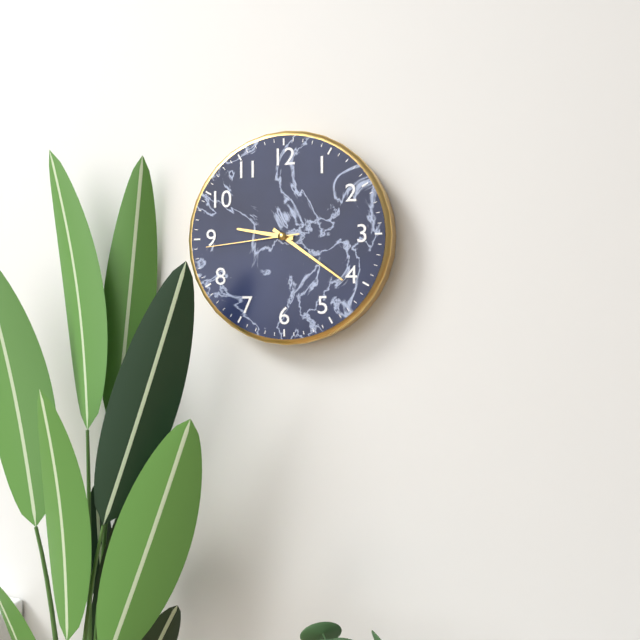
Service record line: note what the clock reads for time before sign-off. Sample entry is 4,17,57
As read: 9,21,44
